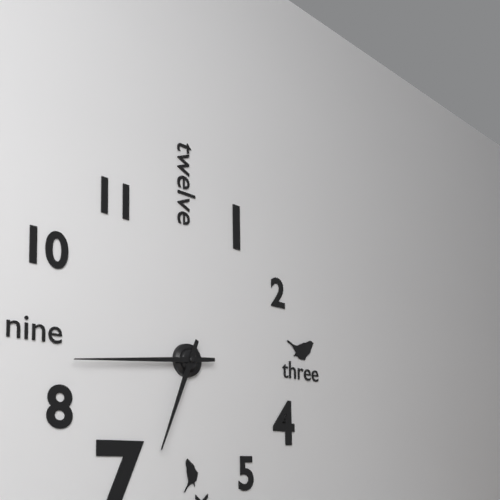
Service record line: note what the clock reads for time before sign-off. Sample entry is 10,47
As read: 6,44
